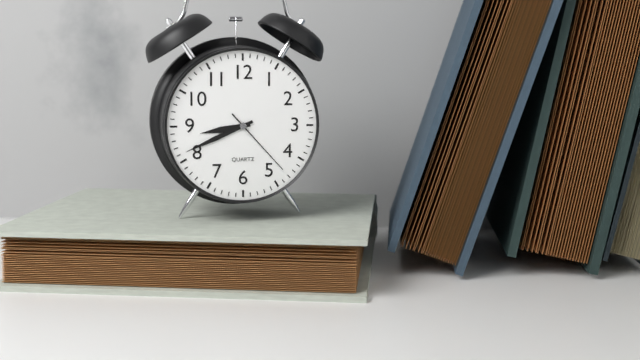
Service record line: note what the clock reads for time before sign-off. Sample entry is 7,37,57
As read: 8,41,23
